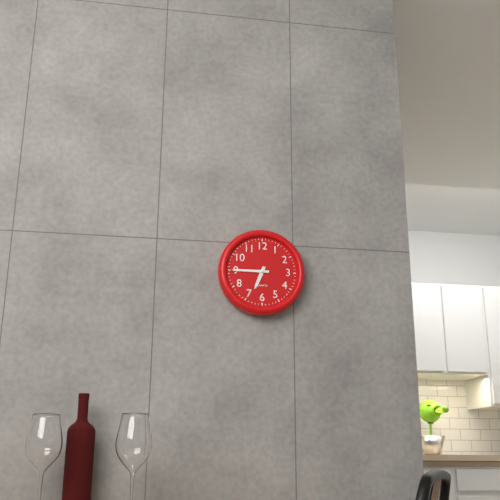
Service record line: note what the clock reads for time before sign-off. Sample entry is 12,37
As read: 6,45
